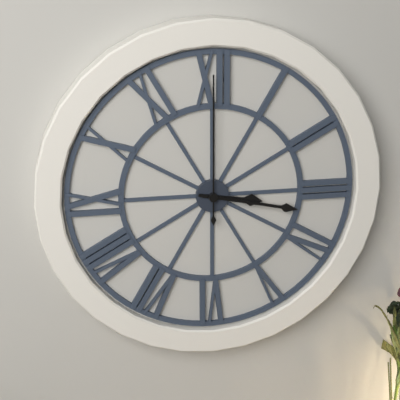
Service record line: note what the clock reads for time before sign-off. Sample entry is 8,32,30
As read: 3,17,00
